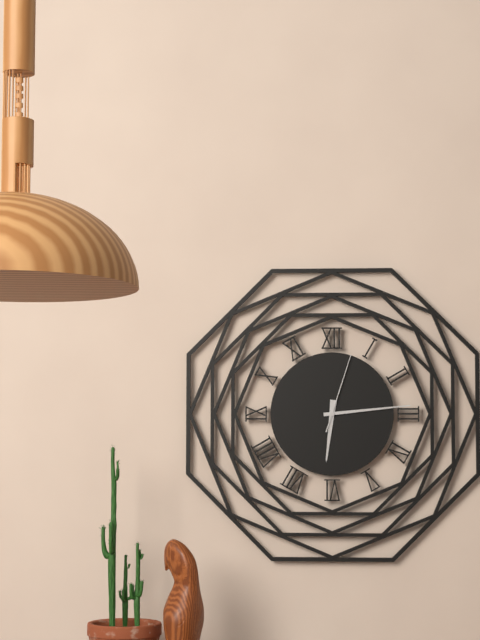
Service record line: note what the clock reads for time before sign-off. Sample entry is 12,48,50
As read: 6,14,03
